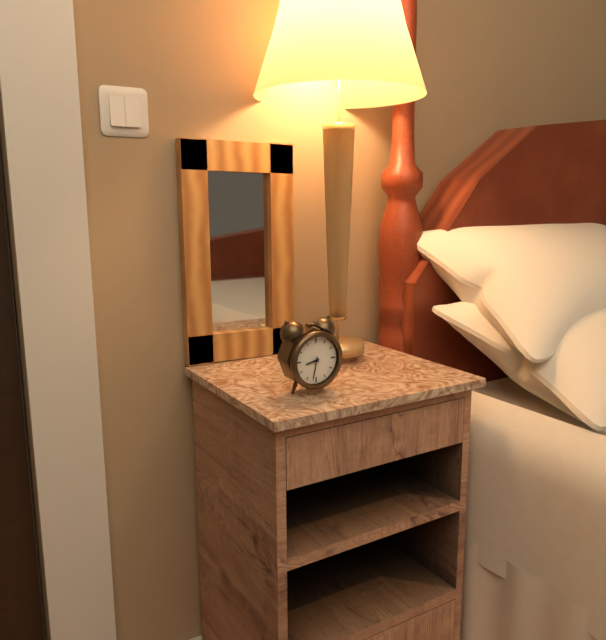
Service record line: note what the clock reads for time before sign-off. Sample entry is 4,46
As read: 8,32
